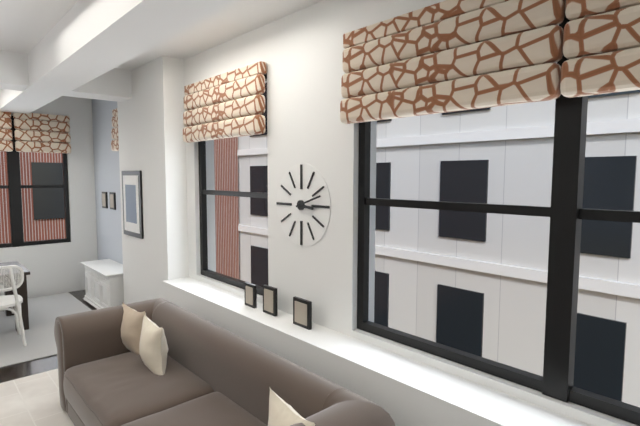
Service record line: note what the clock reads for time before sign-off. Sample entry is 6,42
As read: 3,12
